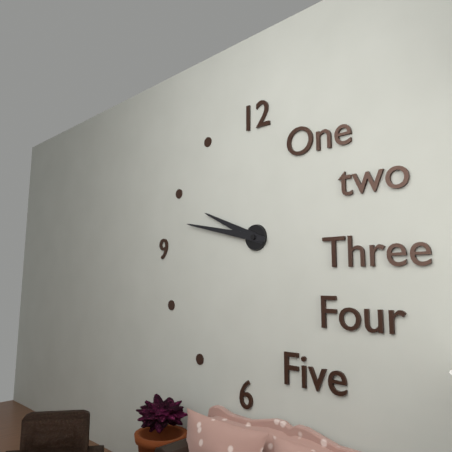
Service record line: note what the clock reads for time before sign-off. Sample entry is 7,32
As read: 9,47
